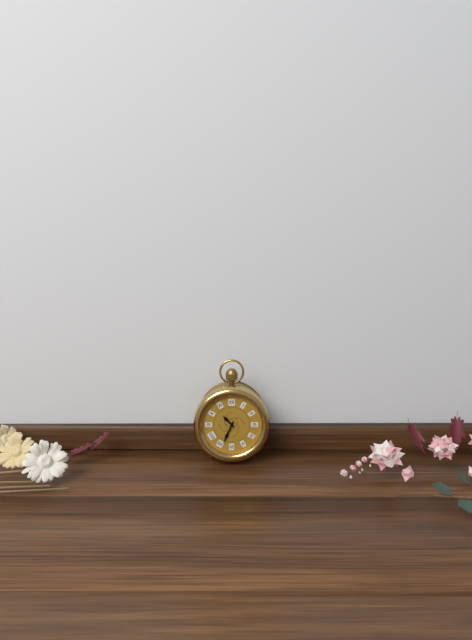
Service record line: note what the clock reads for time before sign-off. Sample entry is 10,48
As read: 10,34
